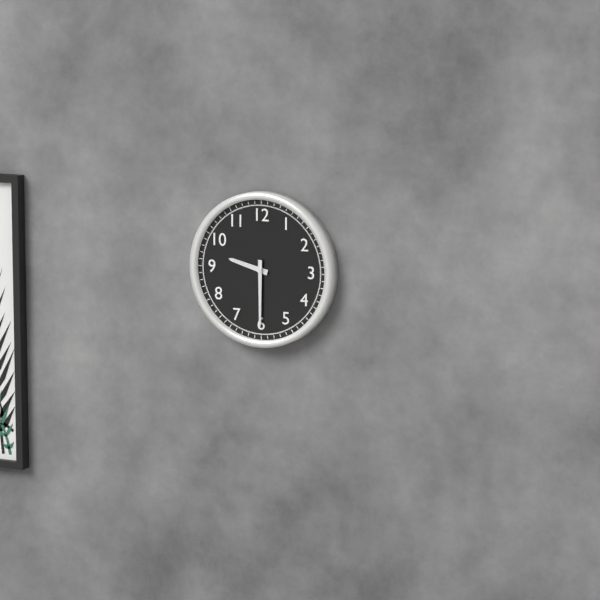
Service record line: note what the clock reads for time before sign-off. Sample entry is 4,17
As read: 9,30
